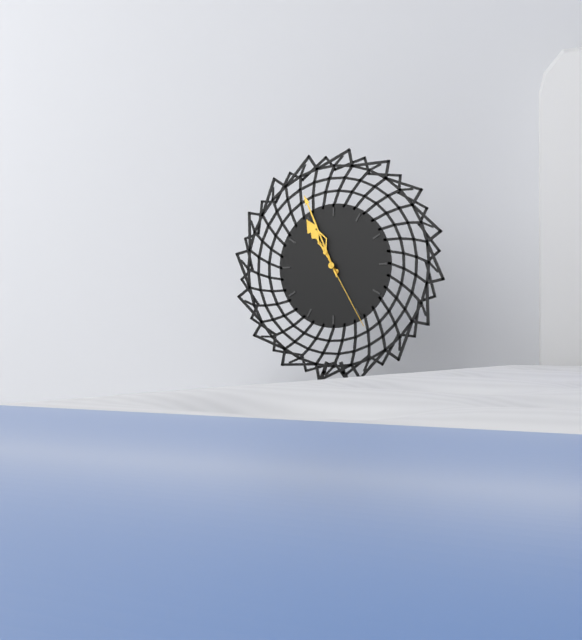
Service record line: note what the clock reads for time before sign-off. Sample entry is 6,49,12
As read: 10,56,25
